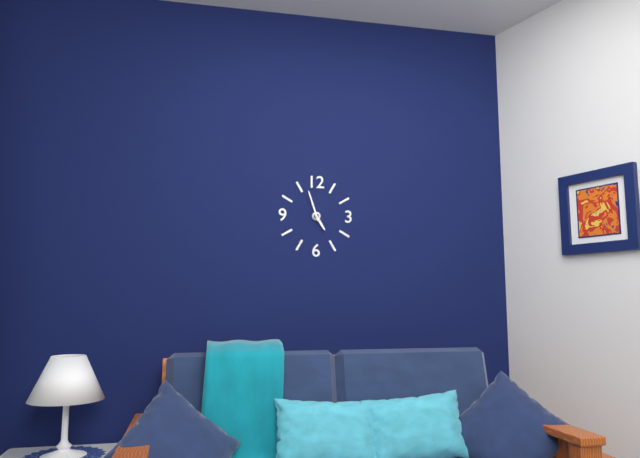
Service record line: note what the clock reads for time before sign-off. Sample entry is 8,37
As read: 4,57
